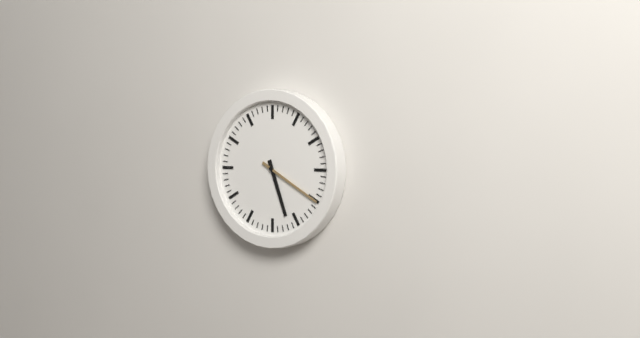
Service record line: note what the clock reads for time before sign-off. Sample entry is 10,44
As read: 5,20
